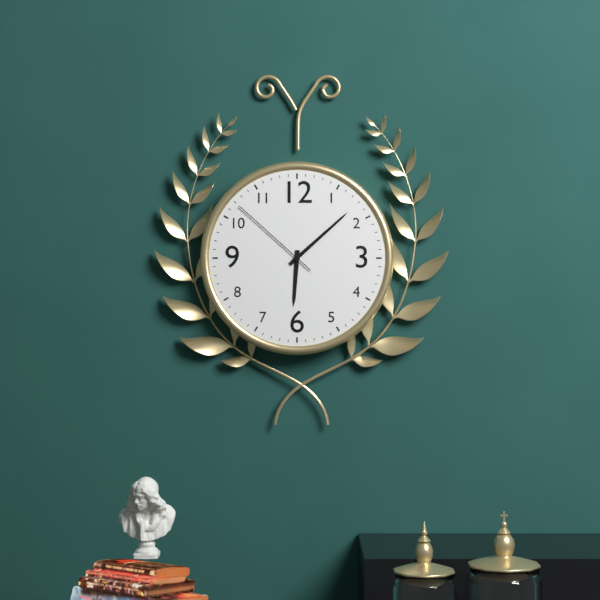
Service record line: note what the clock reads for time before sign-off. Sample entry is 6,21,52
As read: 6,08,52
